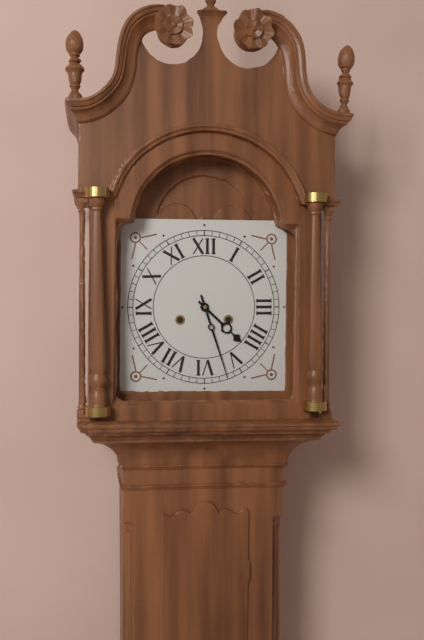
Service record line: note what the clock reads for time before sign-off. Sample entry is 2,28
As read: 4,27
